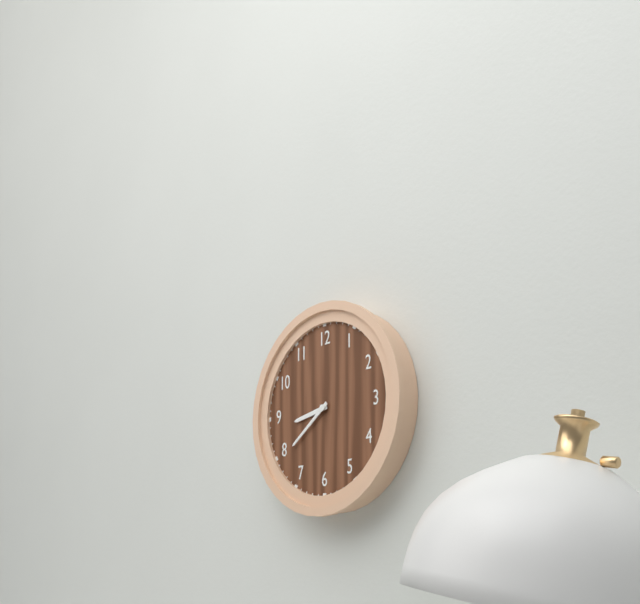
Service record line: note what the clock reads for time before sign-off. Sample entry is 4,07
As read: 8,39
